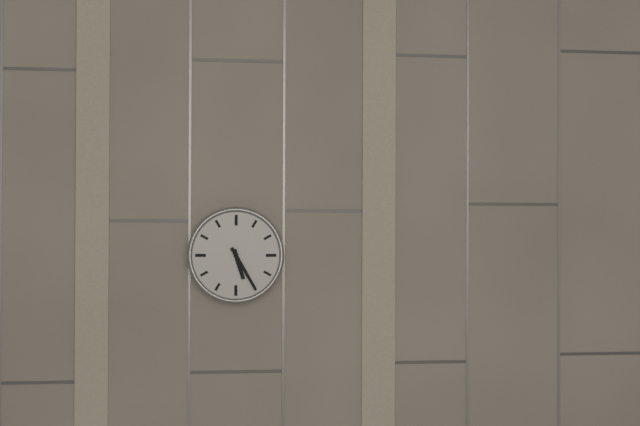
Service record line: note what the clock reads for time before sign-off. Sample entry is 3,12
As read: 5,25
